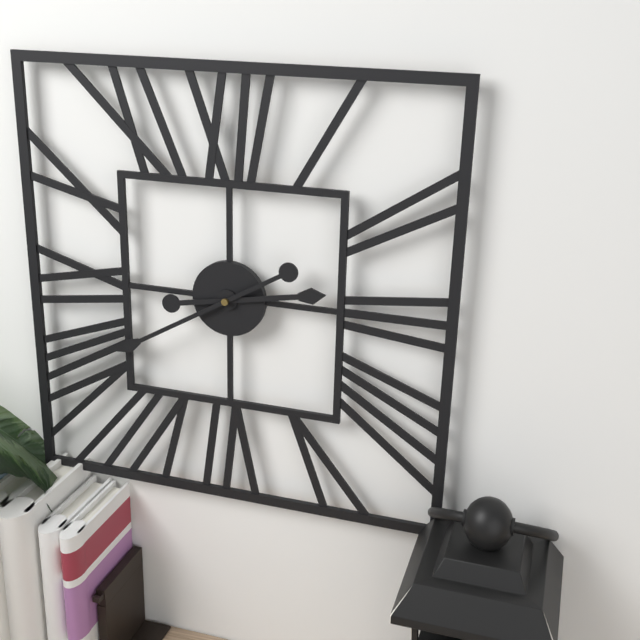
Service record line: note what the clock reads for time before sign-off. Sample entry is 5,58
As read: 2,40
